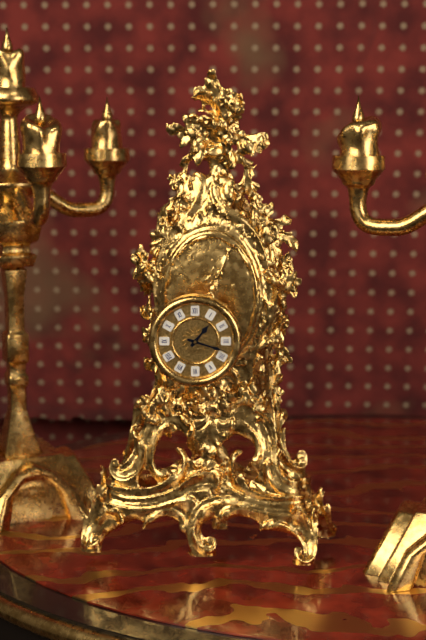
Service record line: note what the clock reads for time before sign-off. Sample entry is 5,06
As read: 1,18
